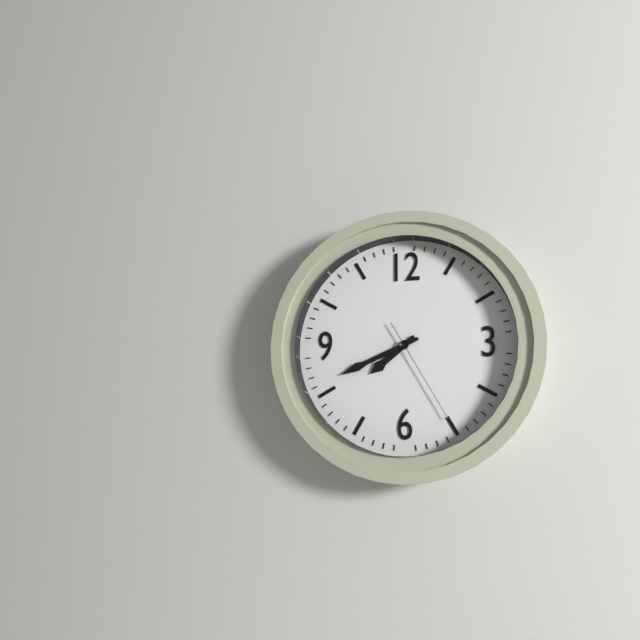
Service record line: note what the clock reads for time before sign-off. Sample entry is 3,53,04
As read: 7,41,25
